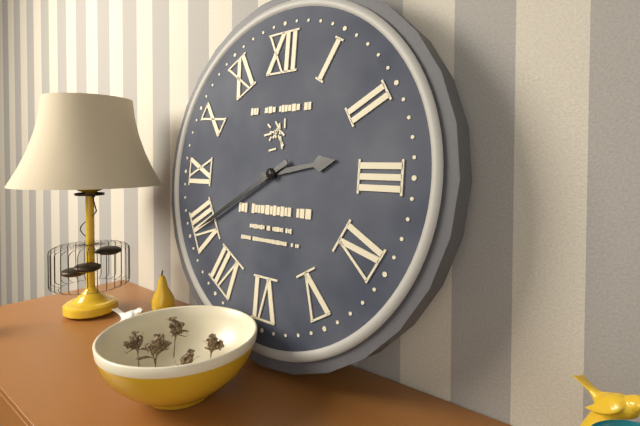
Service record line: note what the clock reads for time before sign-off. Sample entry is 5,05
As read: 2,40
